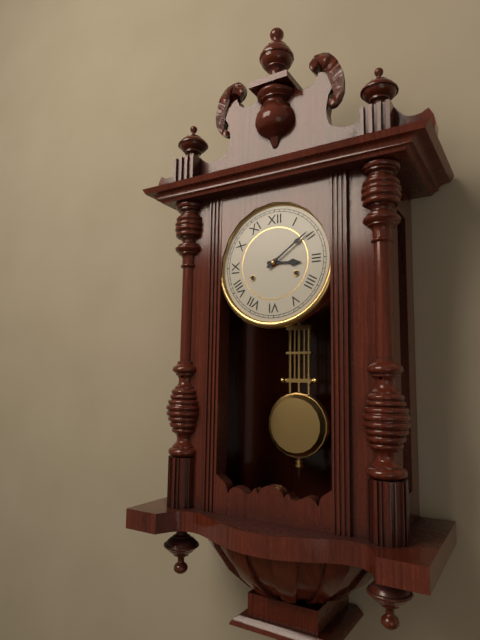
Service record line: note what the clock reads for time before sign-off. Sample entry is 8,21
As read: 3,09
